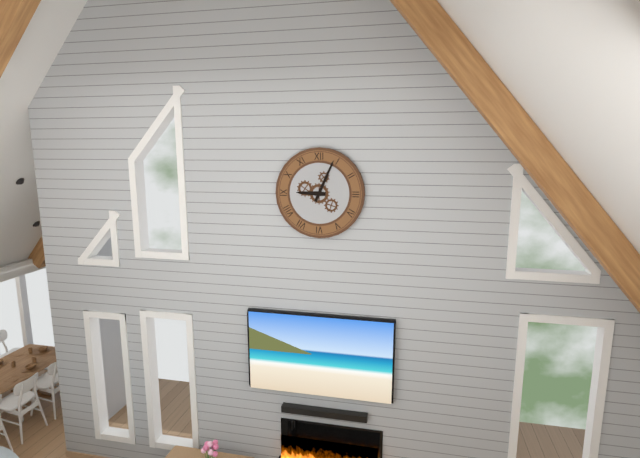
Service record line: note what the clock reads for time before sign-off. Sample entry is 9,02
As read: 9,04
